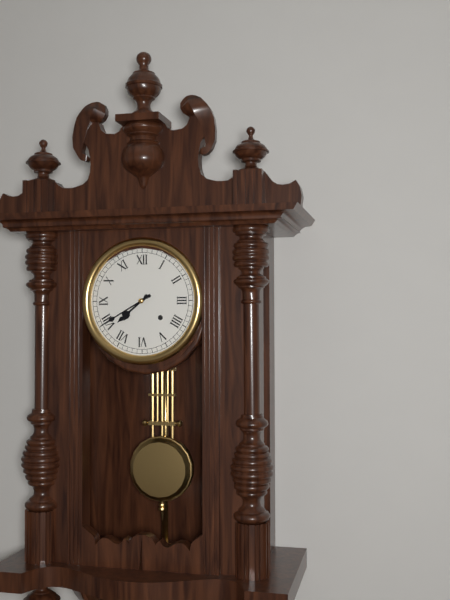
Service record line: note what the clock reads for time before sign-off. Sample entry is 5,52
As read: 7,40
